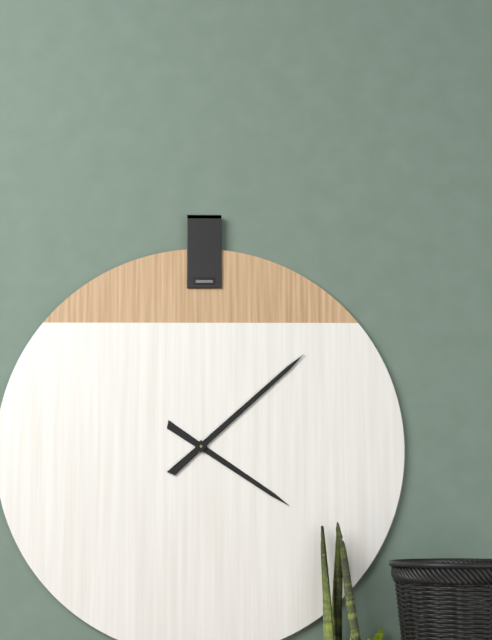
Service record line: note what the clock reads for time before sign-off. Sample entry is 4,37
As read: 4,08
